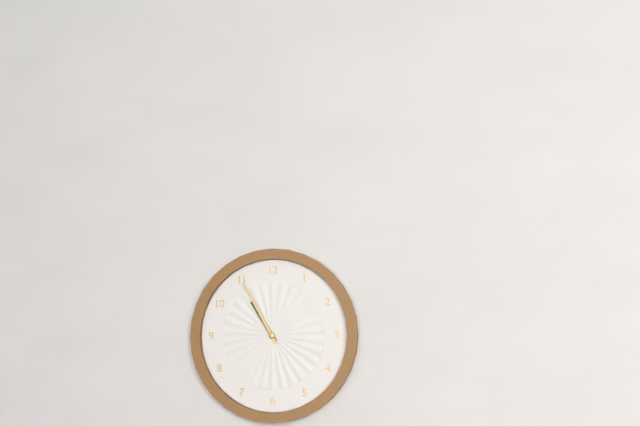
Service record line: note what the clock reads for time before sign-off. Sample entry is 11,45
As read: 10,55
